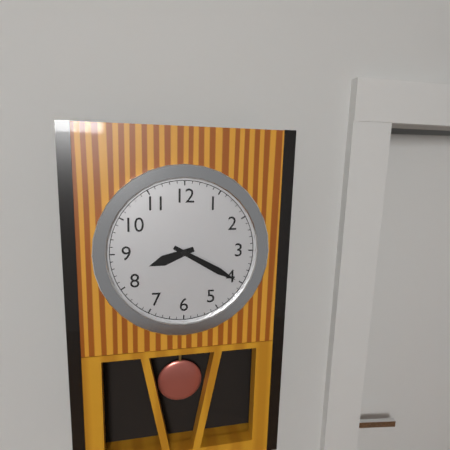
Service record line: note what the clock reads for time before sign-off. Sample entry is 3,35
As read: 8,20
